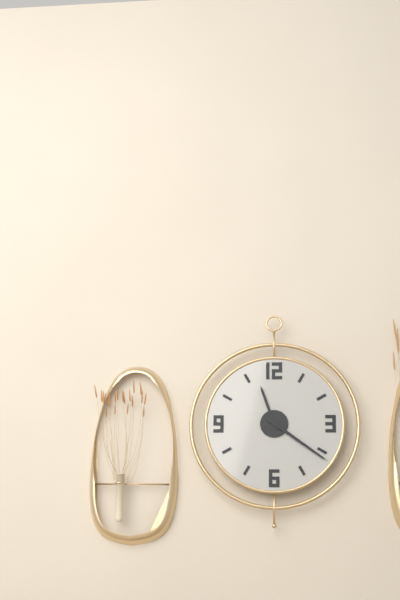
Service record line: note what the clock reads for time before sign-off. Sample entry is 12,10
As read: 11,21
